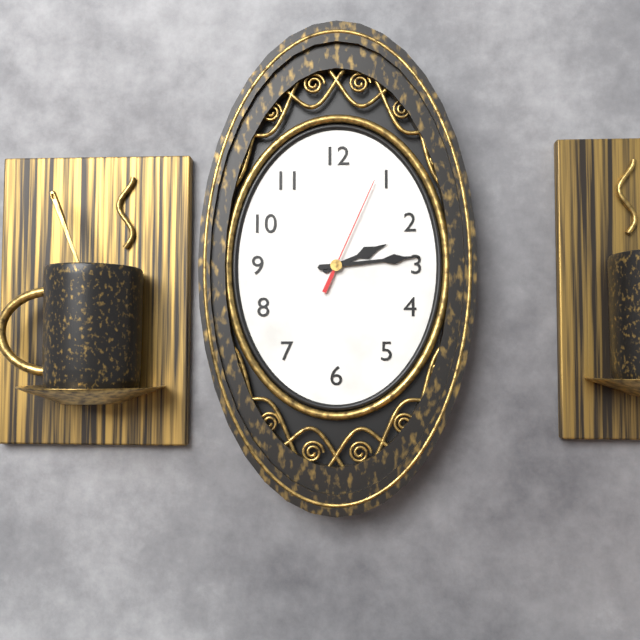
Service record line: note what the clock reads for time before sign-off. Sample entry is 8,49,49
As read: 2,14,04
